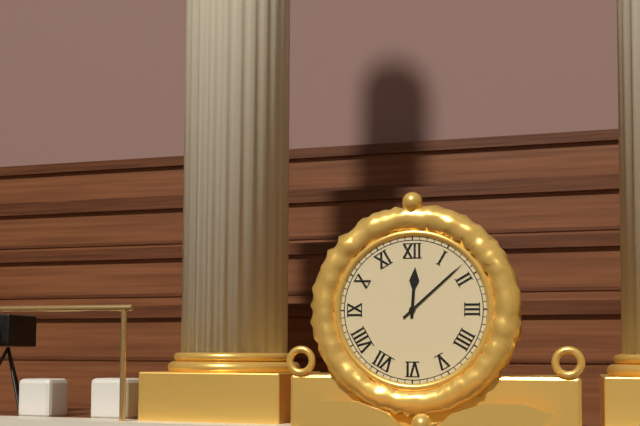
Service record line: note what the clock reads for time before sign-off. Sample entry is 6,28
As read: 12,08
